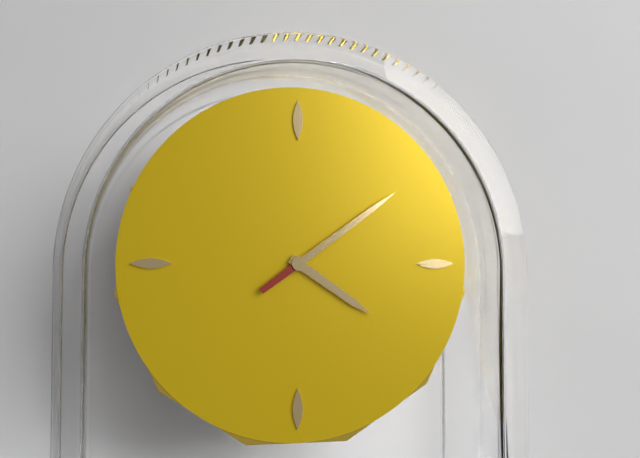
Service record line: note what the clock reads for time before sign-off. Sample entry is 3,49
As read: 4,09
